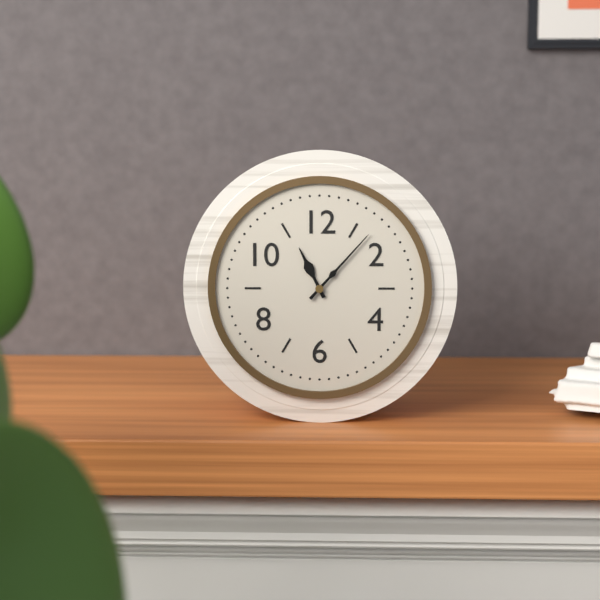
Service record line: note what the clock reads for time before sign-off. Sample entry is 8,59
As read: 11,07
